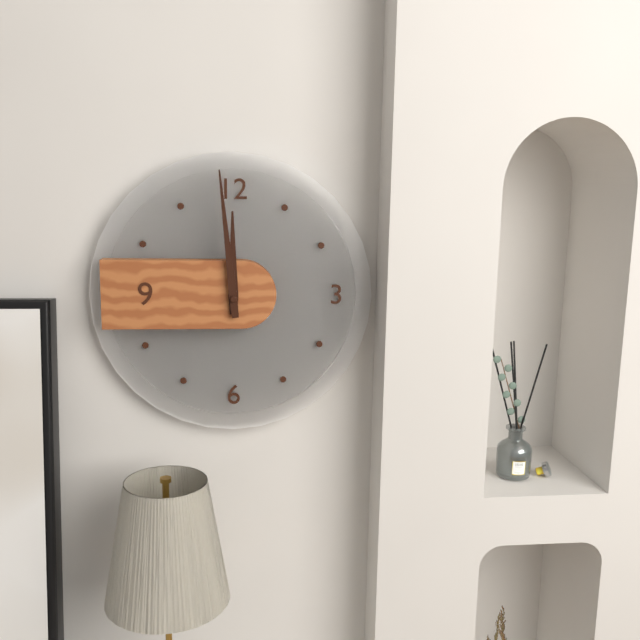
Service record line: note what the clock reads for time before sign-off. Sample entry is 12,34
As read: 11,59
